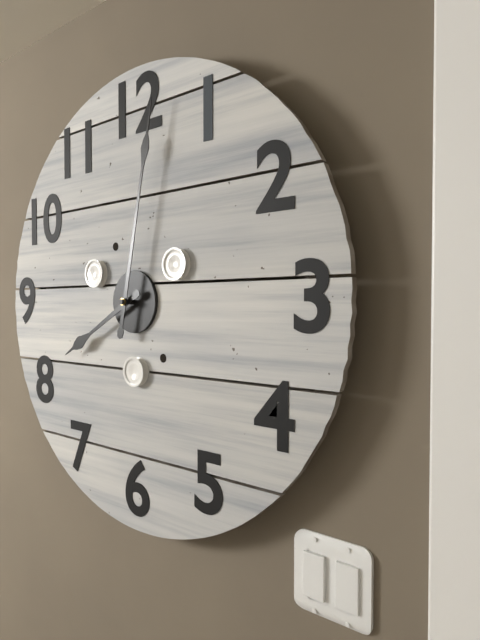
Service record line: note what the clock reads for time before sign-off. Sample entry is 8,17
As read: 8,02
